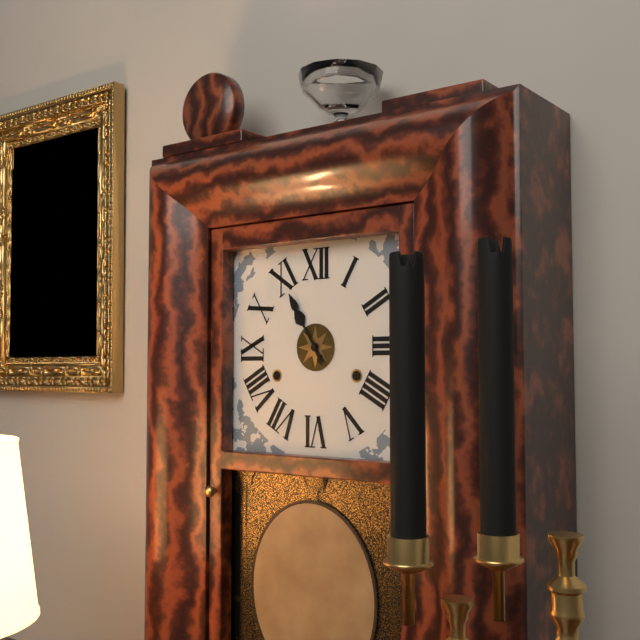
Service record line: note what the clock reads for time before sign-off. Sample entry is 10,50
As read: 10,55
